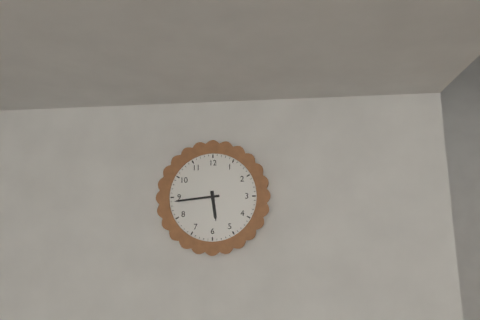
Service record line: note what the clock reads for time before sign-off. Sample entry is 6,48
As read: 5,44
